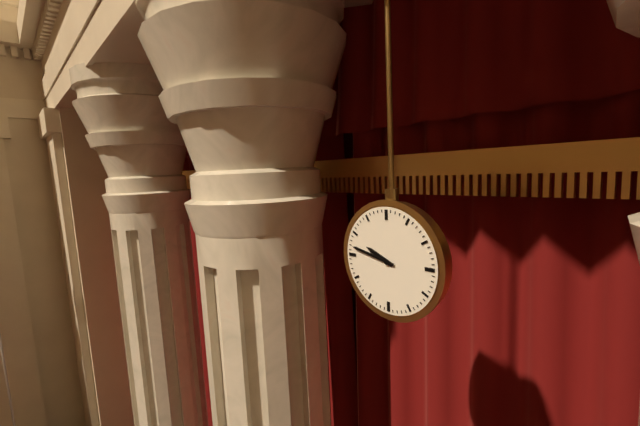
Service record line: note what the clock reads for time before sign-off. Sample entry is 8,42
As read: 9,47
